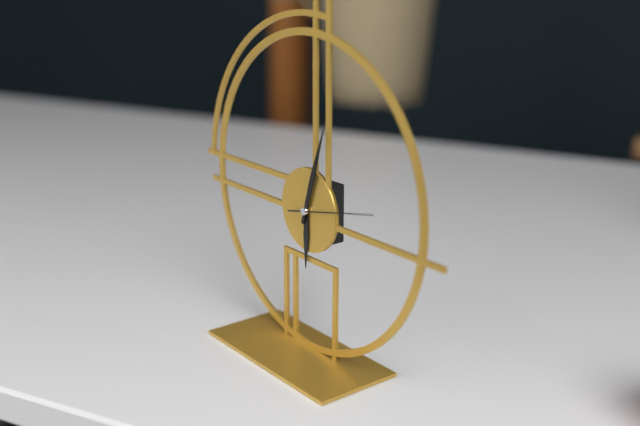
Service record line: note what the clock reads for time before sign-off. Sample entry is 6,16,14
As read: 6,03,13
